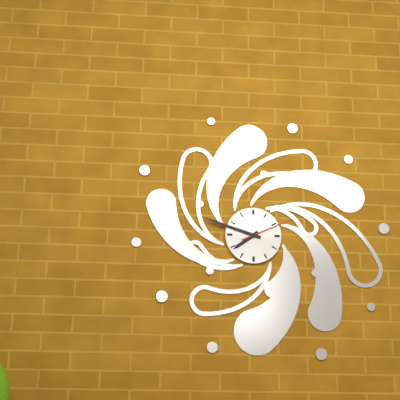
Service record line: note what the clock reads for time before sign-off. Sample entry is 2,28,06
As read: 7,48,11
